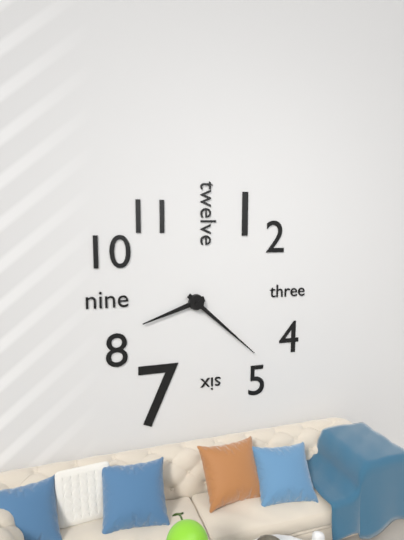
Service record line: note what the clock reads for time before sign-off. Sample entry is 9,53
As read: 8,22
